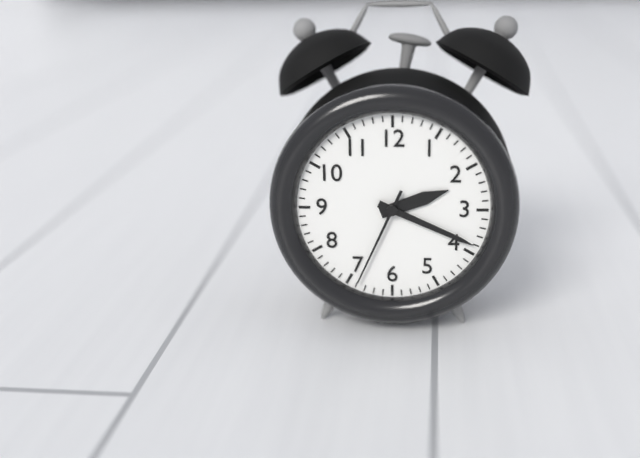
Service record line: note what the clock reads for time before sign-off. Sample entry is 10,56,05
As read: 2,19,34
